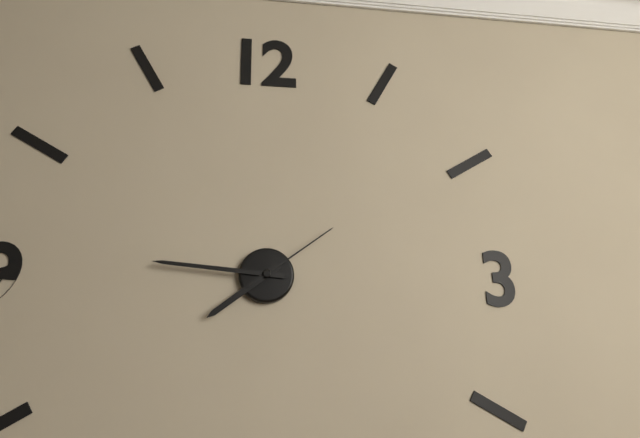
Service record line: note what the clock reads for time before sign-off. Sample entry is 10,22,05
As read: 7,46,09
